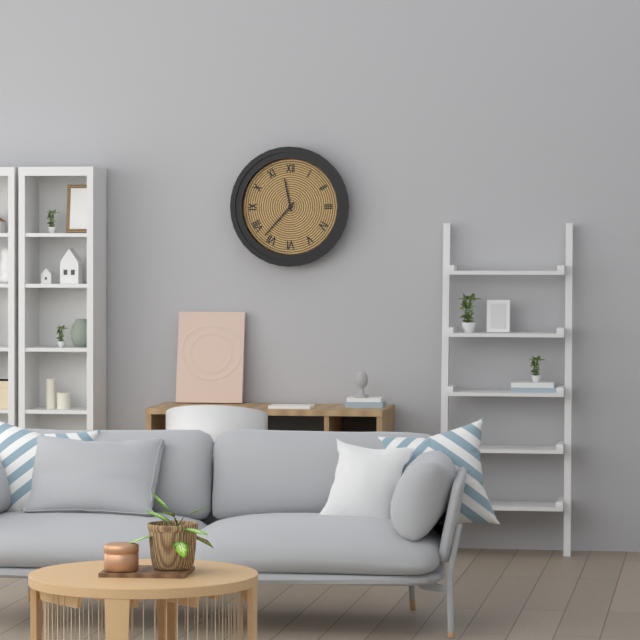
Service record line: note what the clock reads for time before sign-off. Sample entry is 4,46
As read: 11,37
